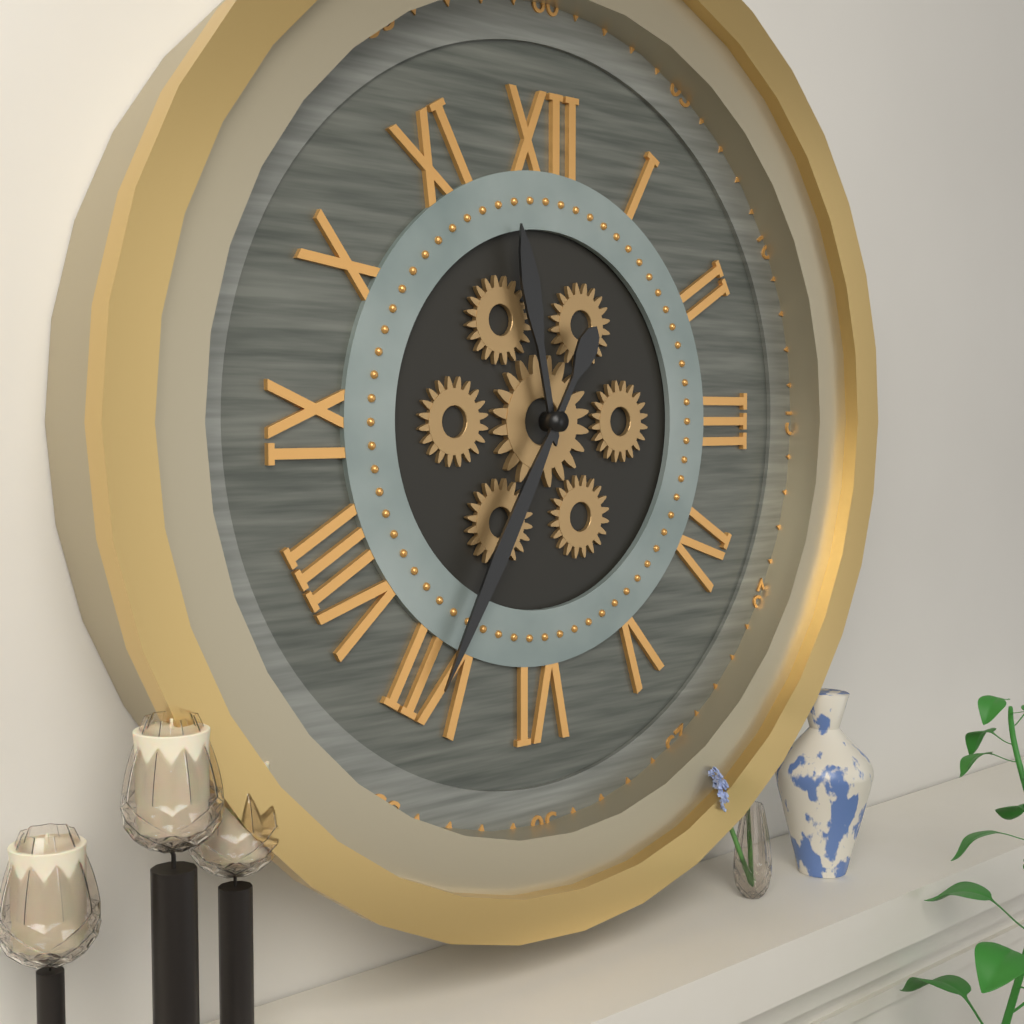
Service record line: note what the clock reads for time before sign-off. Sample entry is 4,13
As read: 11,35
